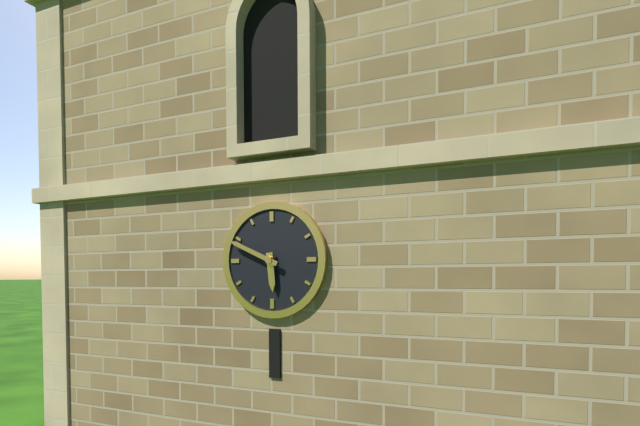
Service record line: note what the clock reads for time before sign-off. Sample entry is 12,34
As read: 5,49
